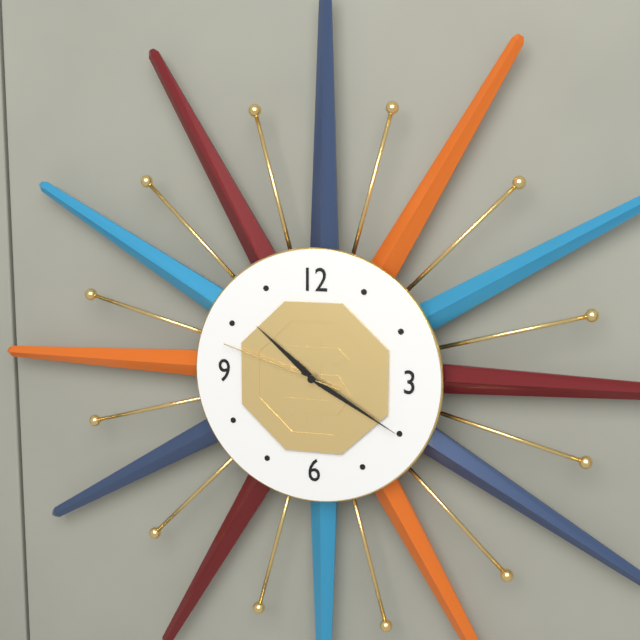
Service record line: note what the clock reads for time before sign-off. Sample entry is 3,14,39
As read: 10,20,48
